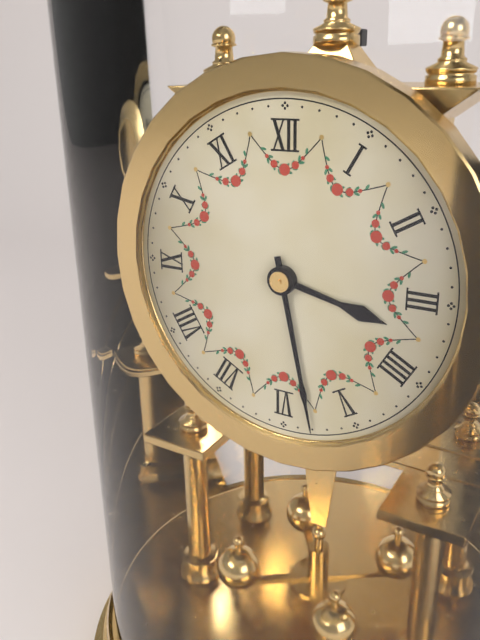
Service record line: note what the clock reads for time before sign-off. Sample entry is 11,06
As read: 3,28
